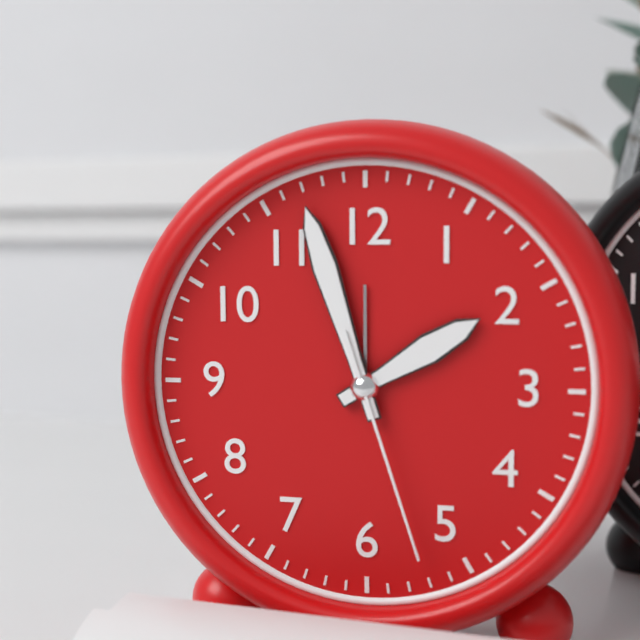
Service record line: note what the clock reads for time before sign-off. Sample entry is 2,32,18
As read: 1,57,27
